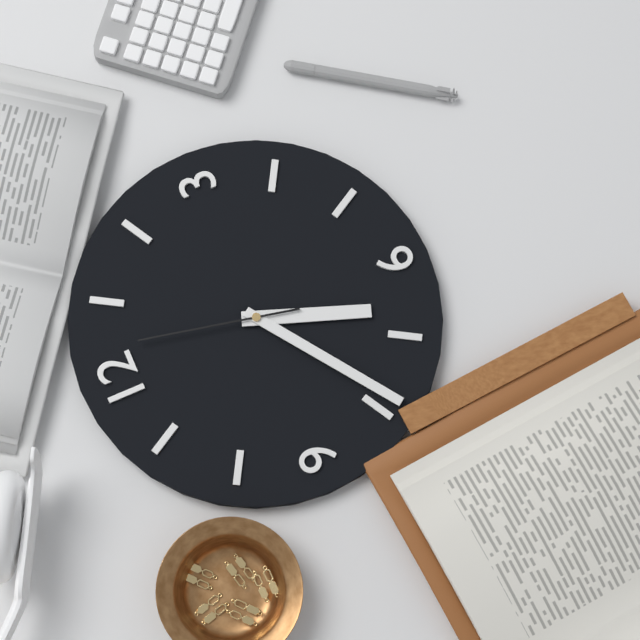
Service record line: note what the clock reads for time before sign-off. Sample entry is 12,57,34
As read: 6,39,02
